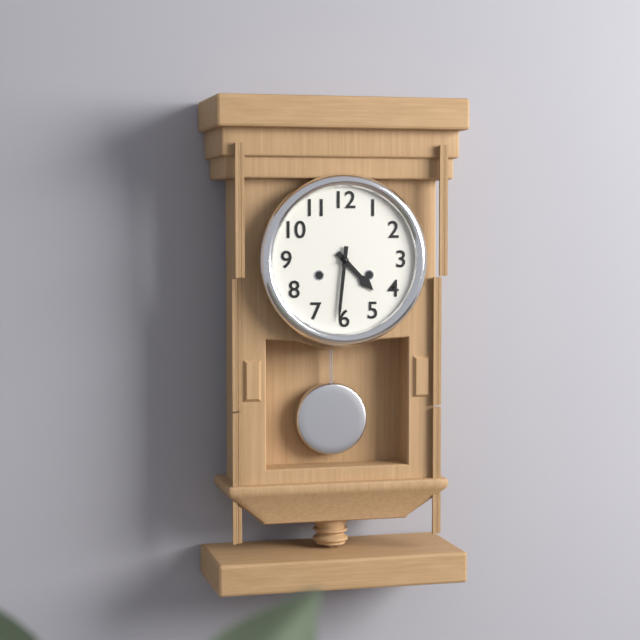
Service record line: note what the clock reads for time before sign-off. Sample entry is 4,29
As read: 4,31
